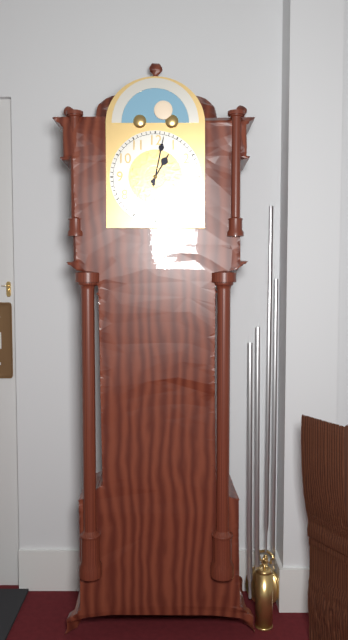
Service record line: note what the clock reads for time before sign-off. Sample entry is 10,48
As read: 1,02
